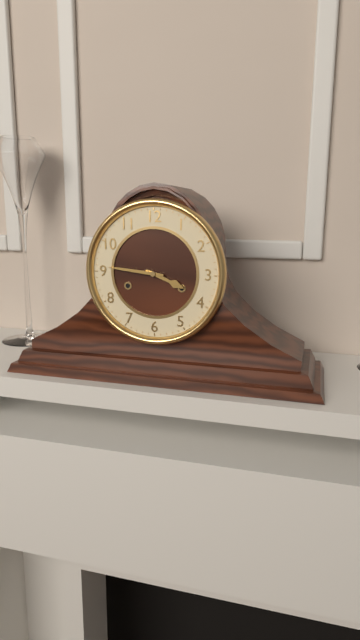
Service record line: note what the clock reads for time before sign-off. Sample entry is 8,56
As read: 3,46
